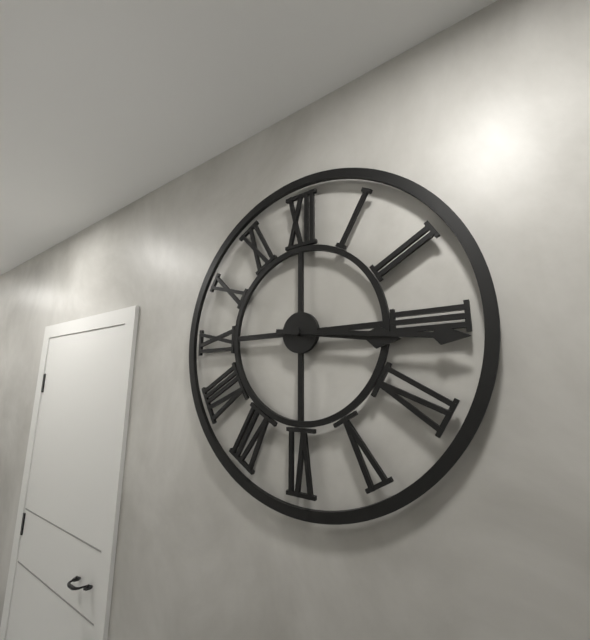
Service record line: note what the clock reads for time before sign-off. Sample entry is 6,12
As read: 3,16
